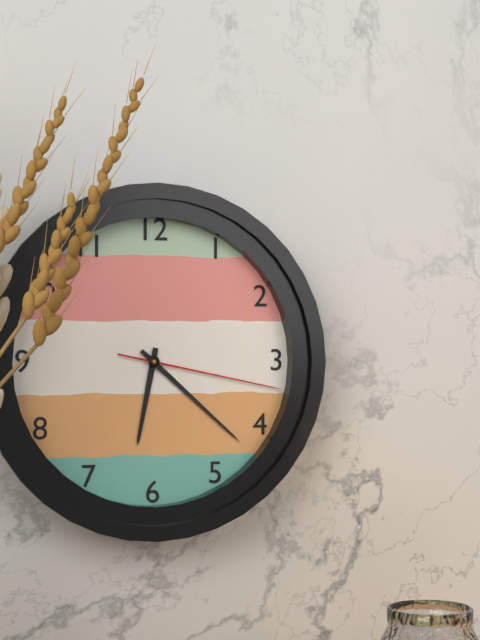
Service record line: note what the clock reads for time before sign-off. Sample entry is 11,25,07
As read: 6,22,17
